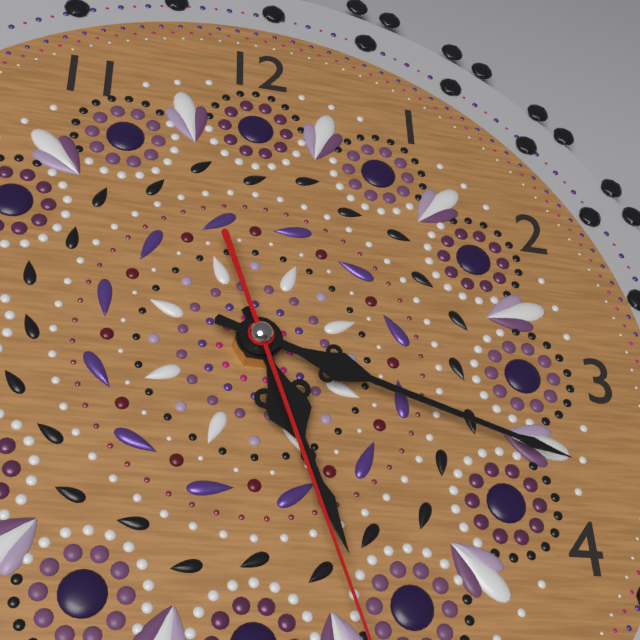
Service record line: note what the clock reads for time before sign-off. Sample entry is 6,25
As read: 5,18
